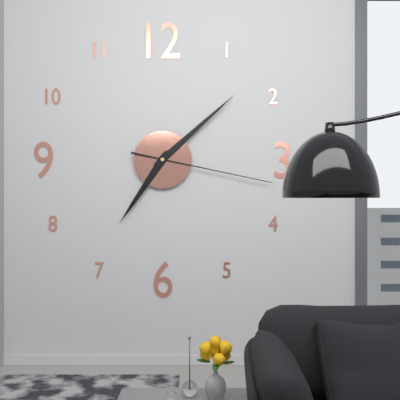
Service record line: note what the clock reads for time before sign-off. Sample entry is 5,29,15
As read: 7,08,17
